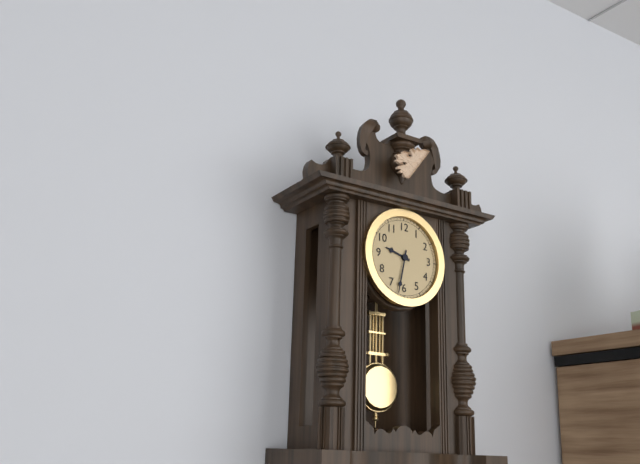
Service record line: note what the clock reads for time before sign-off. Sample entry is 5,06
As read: 9,32
